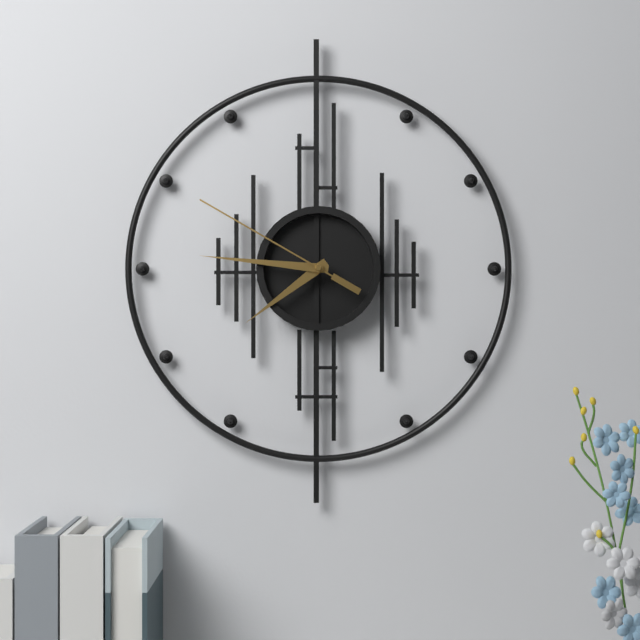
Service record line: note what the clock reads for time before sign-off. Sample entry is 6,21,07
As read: 7,46,50
